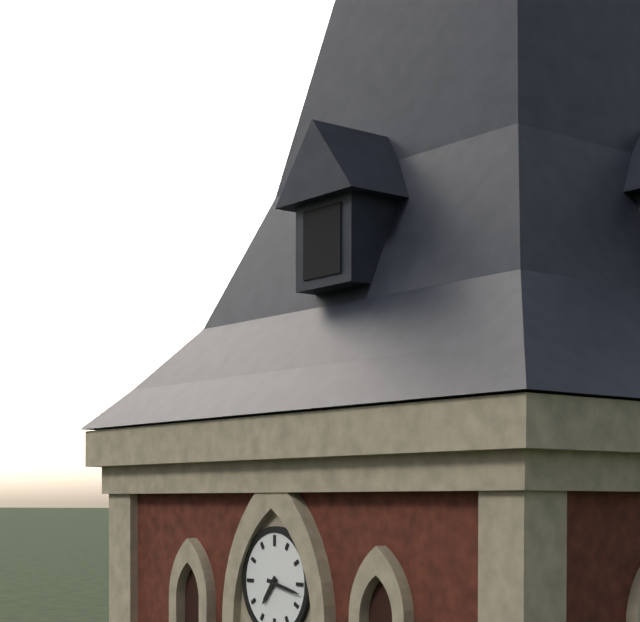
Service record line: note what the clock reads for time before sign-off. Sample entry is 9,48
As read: 7,17
